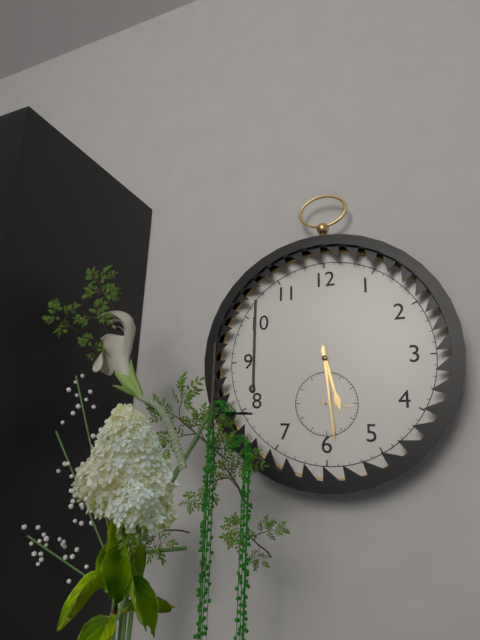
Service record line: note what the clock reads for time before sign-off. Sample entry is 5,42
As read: 5,29
